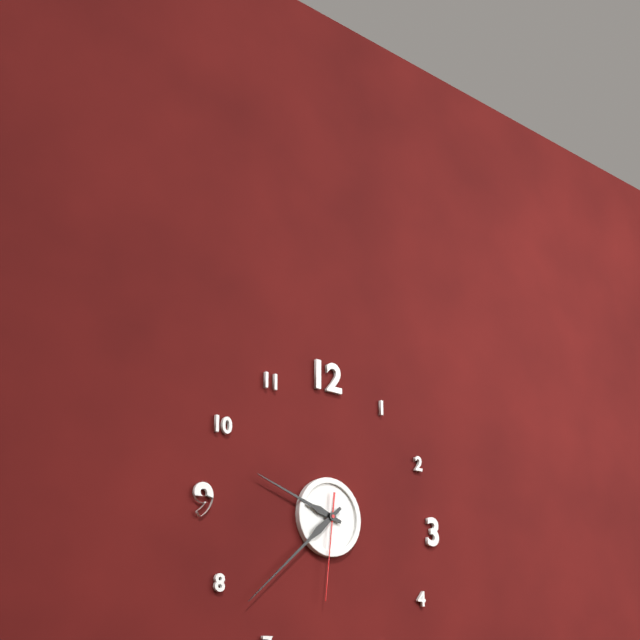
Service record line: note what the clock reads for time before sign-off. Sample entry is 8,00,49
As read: 9,38,31
